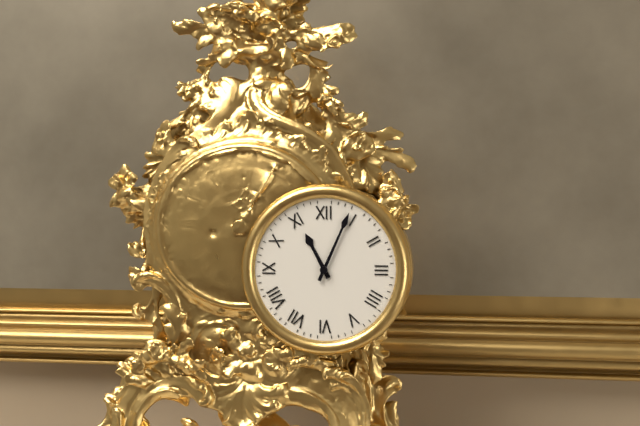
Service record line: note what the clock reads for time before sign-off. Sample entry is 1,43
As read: 11,04
